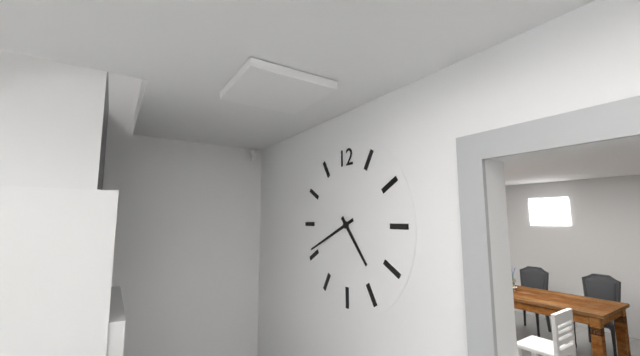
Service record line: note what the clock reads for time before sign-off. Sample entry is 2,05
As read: 4,41
